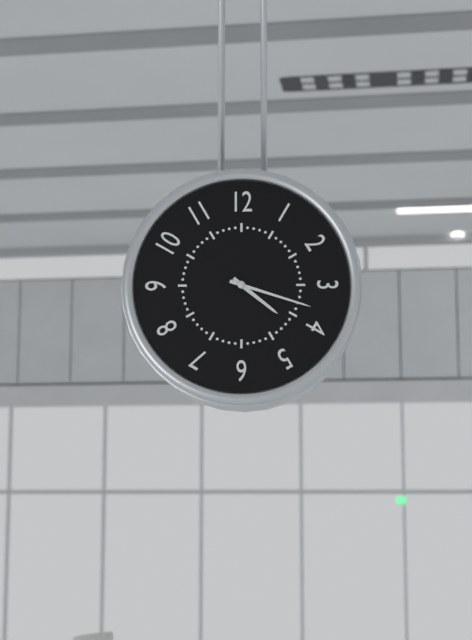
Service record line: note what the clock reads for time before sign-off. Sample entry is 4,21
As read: 4,18
